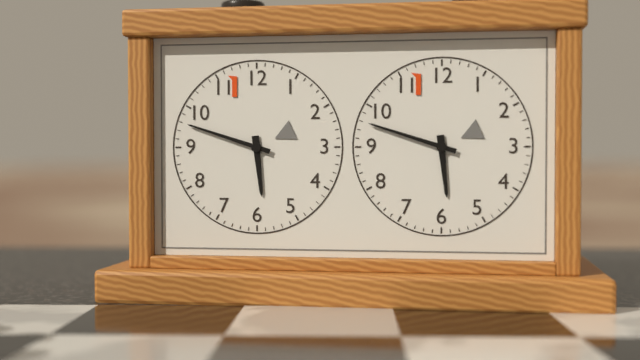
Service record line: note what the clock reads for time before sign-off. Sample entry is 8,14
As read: 5,48
